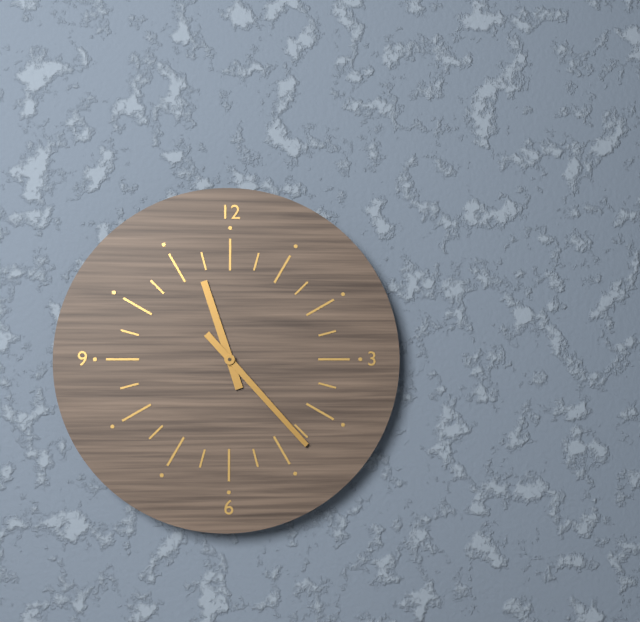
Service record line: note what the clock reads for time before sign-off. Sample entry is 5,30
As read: 11,23
